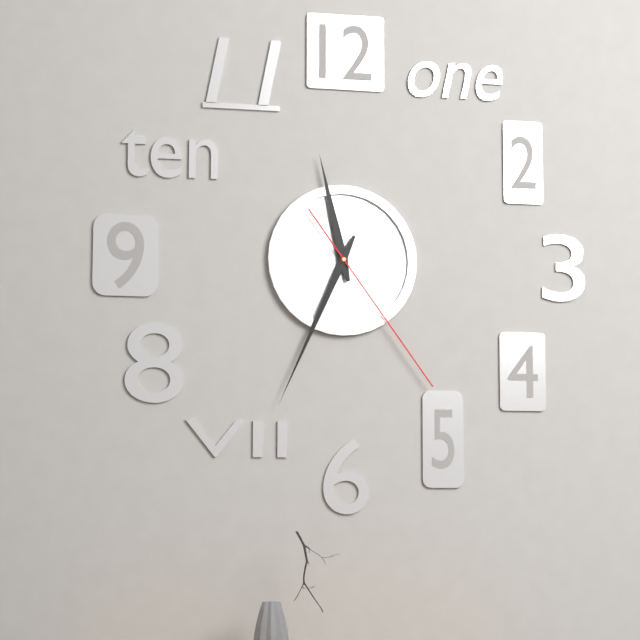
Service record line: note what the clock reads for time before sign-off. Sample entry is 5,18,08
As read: 11,34,24
